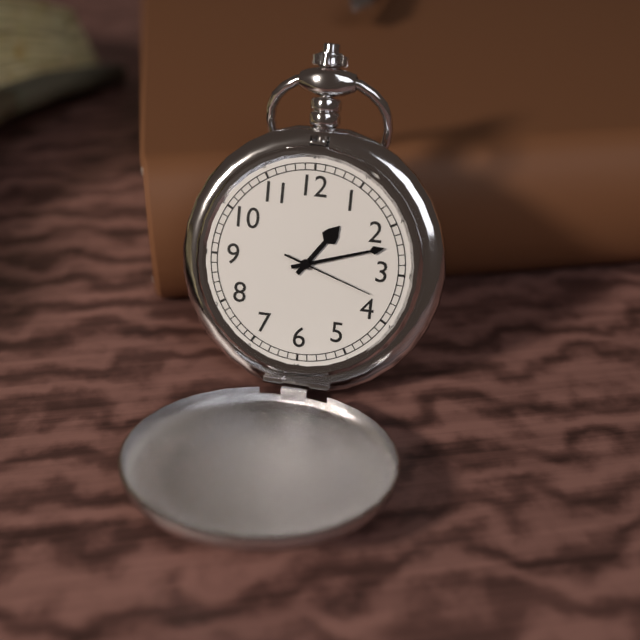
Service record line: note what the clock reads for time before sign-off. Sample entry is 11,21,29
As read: 1,12,18
